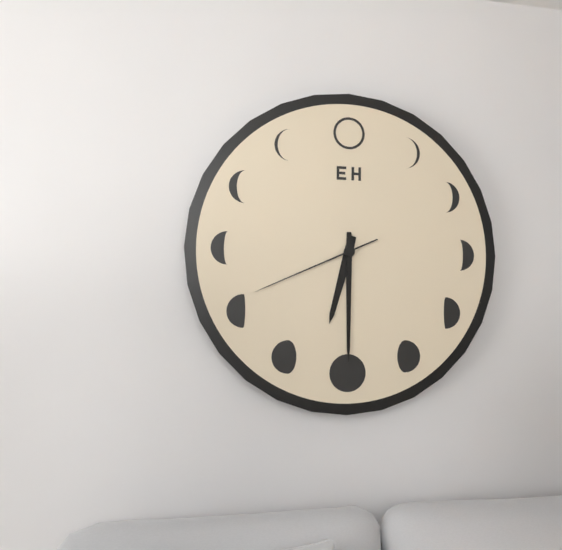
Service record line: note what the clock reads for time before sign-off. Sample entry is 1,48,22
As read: 6,30,41
